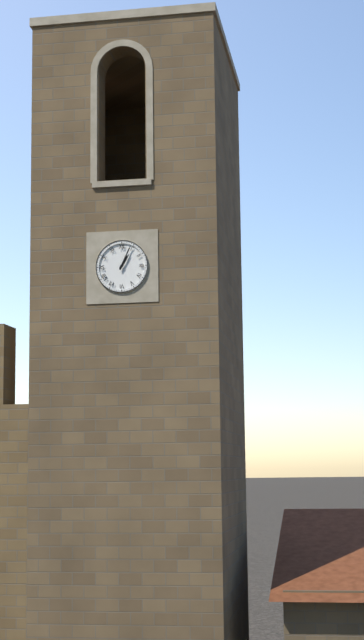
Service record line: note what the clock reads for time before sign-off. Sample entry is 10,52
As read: 1,04
